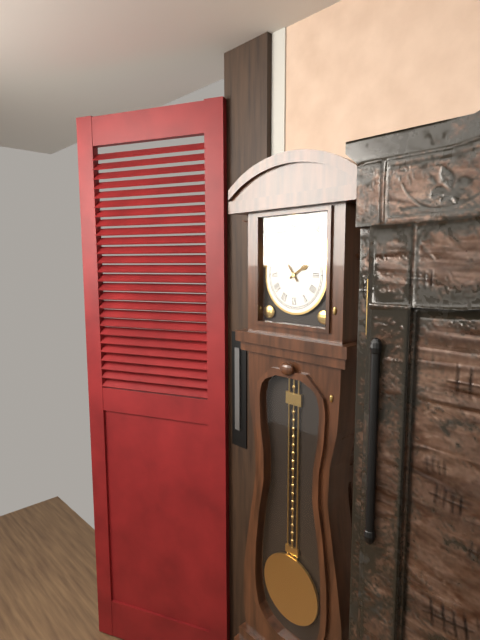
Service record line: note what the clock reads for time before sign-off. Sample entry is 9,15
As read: 1,54
